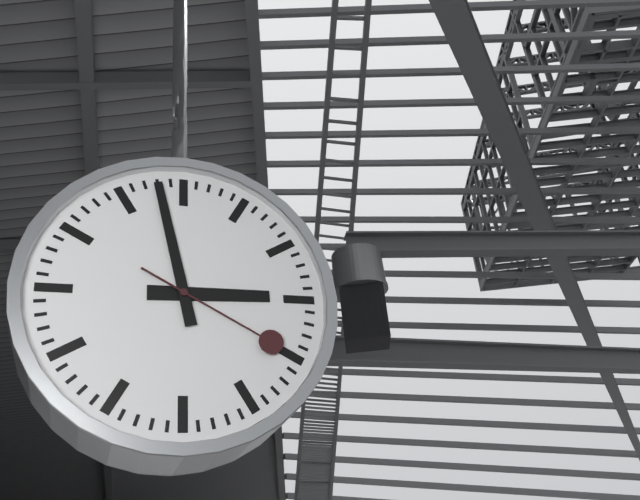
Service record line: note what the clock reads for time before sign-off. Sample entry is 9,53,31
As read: 2,58,20
